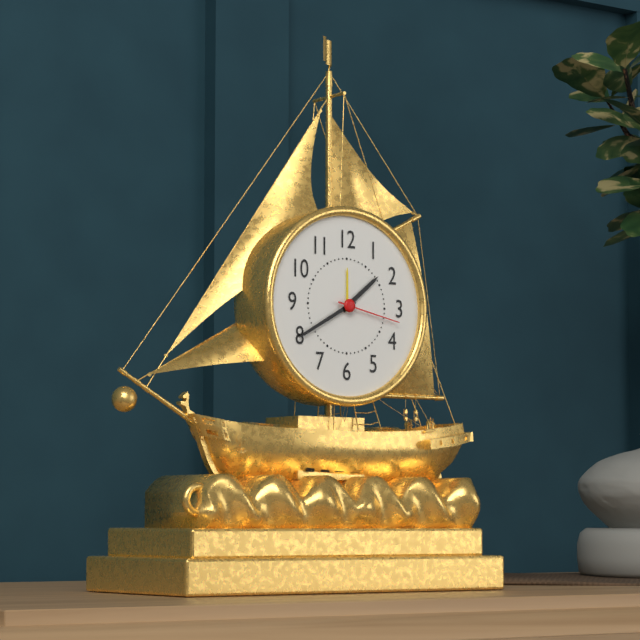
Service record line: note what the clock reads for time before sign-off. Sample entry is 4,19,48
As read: 1,40,17
